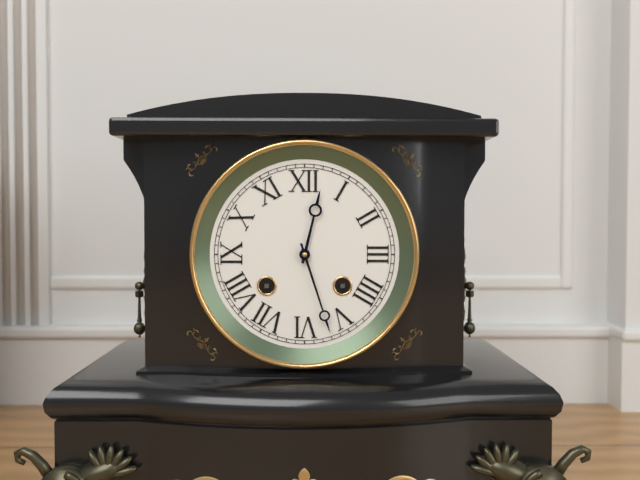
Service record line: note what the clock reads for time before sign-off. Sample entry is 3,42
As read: 12,27
